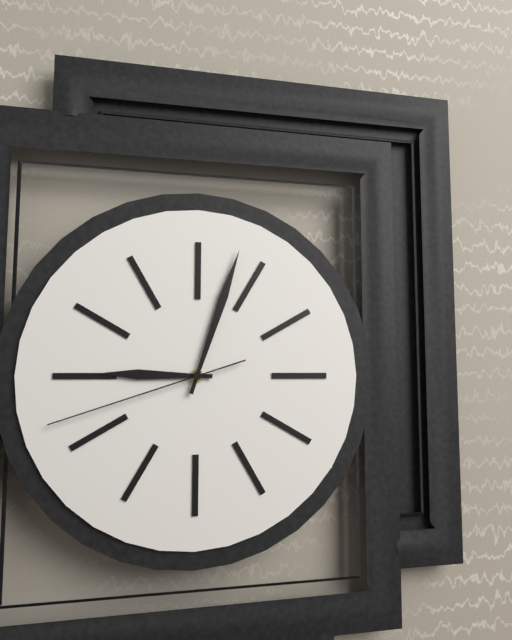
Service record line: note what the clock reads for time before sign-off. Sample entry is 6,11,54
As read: 9,03,42
